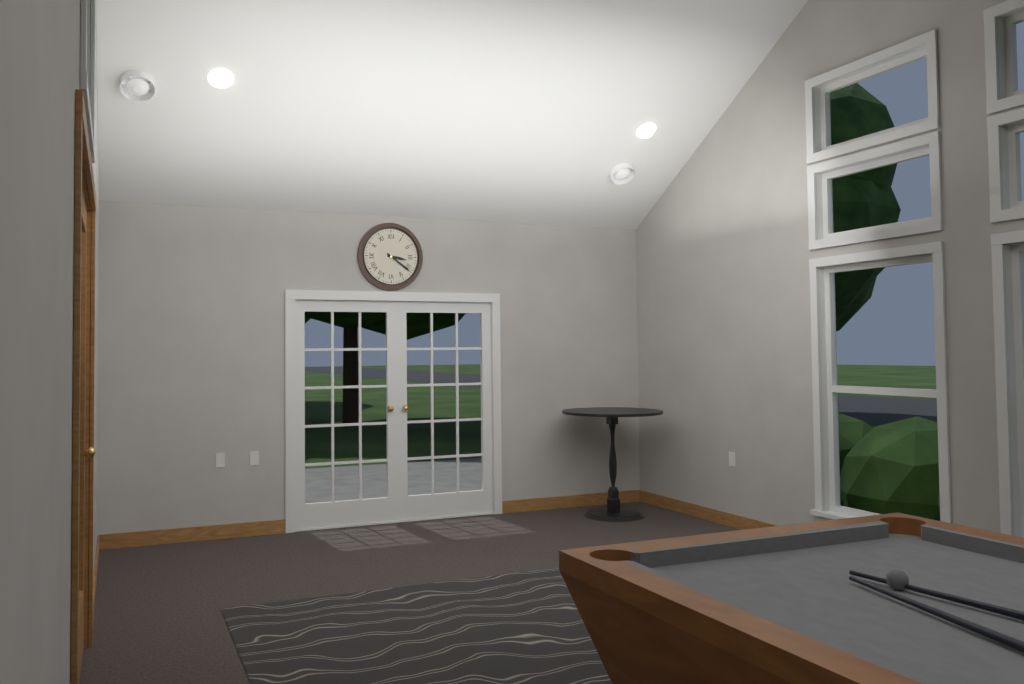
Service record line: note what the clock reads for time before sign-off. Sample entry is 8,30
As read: 3,21
